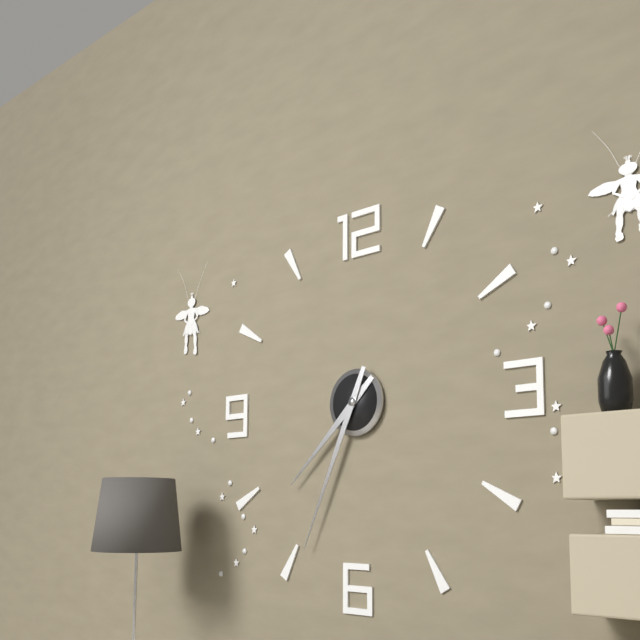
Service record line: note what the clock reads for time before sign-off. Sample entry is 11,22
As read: 7,34
